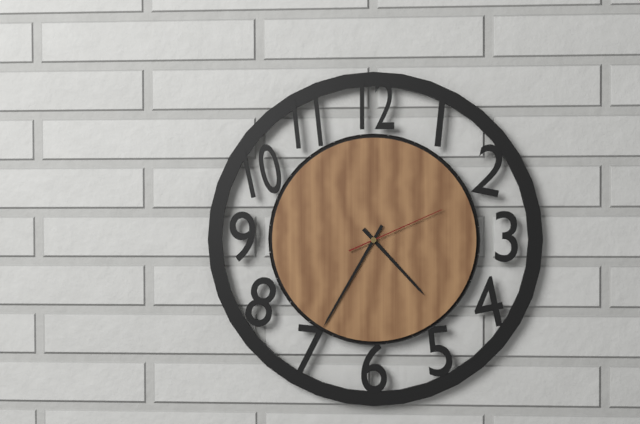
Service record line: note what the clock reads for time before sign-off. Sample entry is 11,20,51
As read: 4,35,11
